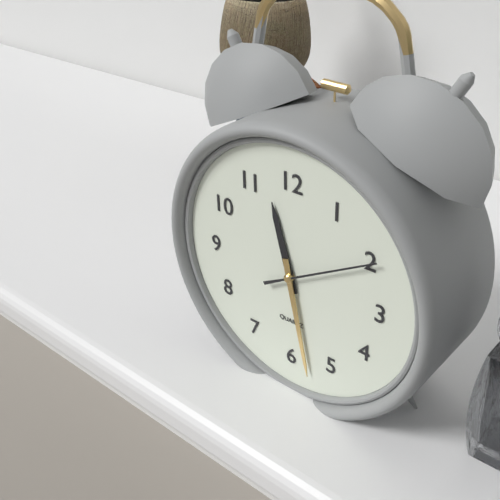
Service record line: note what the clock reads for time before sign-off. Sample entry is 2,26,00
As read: 11,28,10
